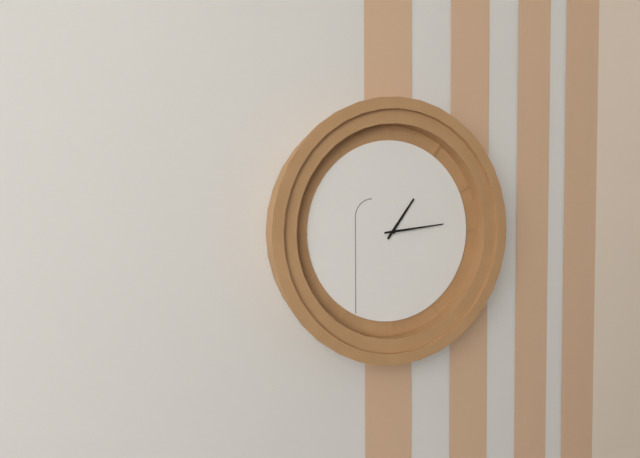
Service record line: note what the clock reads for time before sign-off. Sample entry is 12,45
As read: 1,14
